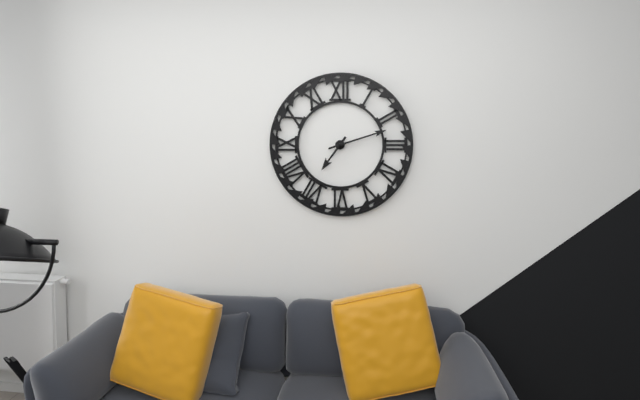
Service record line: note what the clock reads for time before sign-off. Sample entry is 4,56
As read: 7,12
